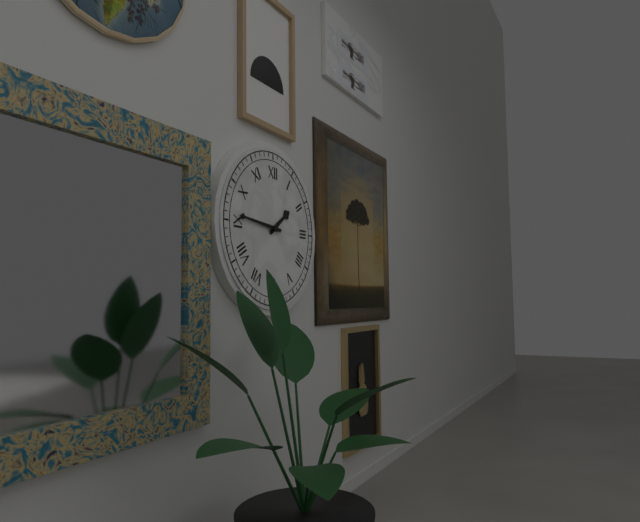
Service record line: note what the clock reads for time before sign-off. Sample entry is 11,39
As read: 1,46
